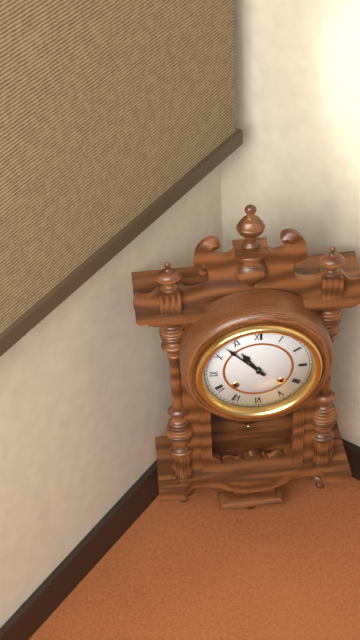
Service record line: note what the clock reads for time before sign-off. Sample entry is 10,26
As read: 10,53
